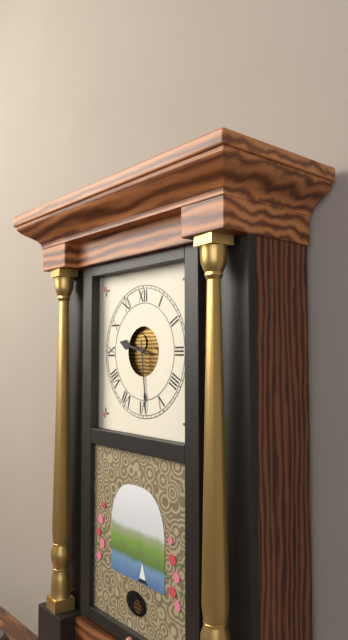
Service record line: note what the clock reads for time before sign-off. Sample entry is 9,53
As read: 9,29
